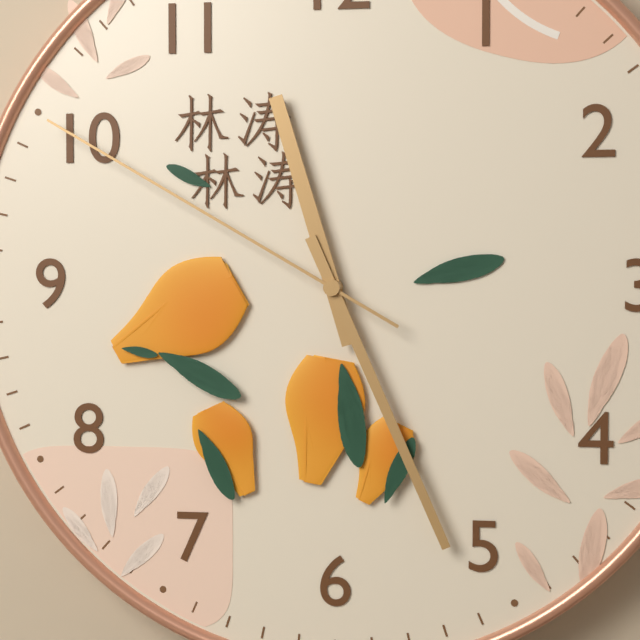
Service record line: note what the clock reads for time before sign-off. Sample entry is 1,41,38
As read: 11,26,50
